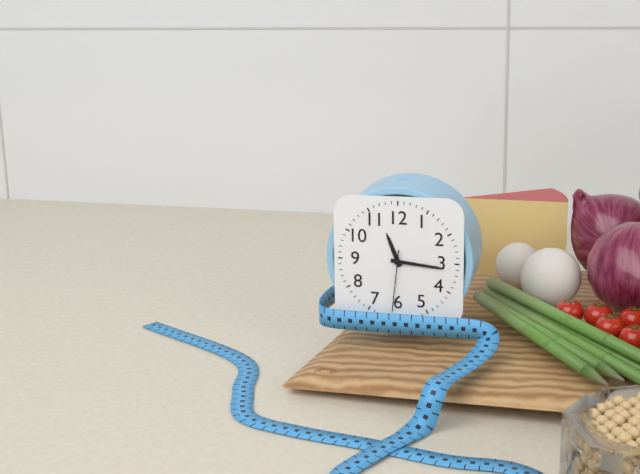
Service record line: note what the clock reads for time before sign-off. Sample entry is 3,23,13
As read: 11,16,31
